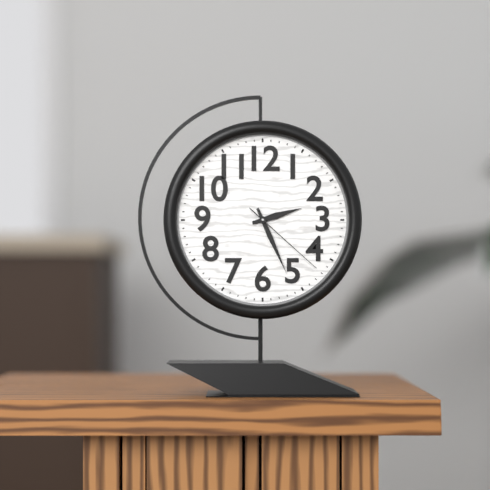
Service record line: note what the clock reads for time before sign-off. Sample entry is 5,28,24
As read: 2,26,22
